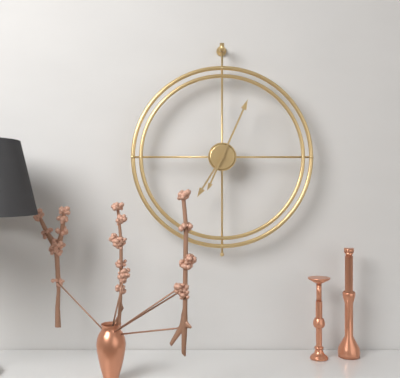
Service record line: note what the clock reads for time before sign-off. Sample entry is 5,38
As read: 7,04
